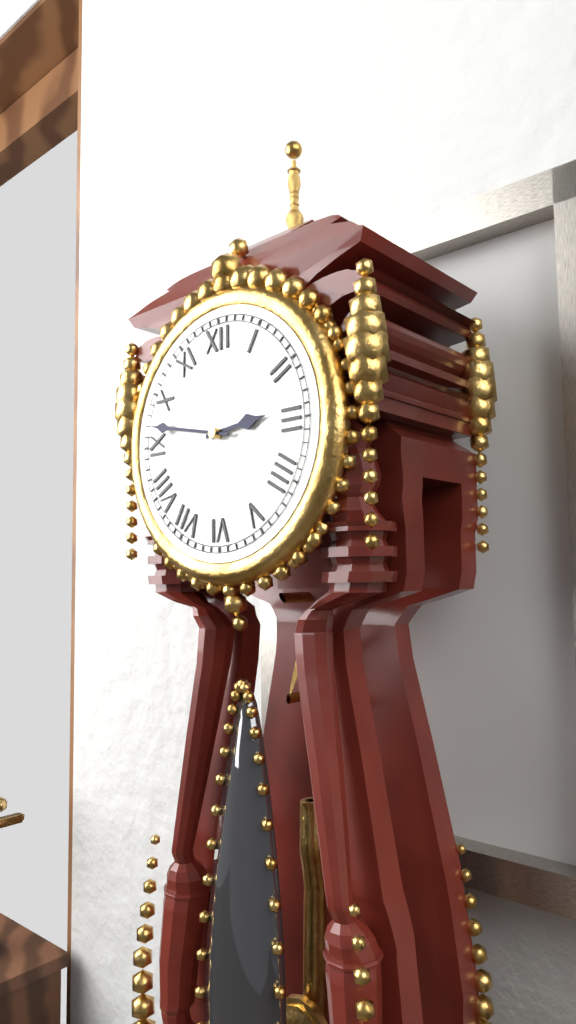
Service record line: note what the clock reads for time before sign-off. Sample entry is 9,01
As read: 2,47
